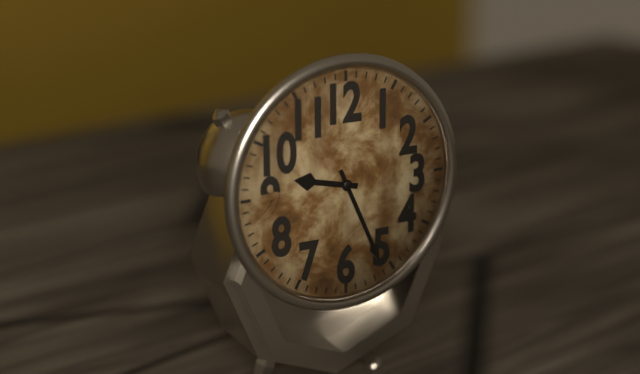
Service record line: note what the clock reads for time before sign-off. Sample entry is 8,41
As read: 9,26
